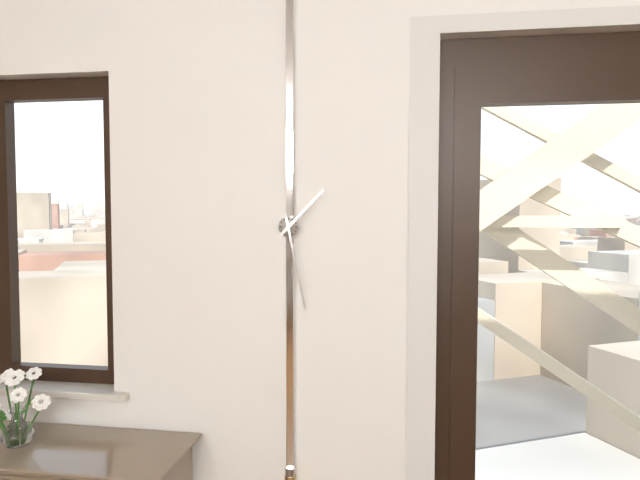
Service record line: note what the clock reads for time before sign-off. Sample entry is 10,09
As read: 1,28
